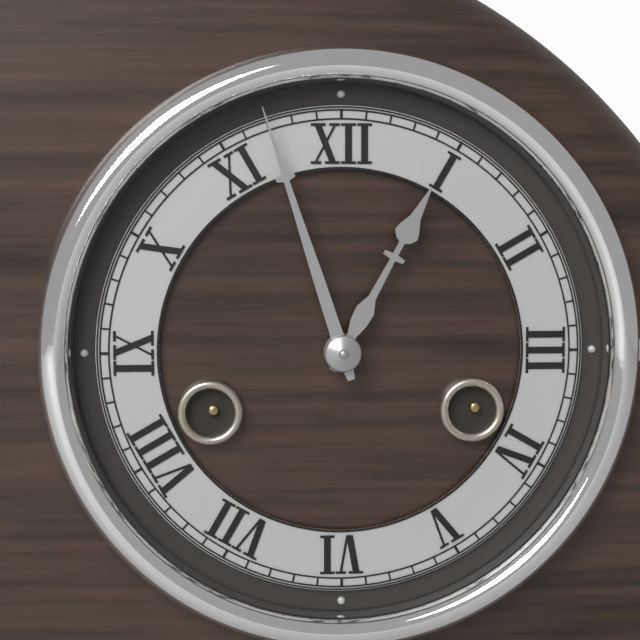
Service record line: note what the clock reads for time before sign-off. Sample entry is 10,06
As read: 12,57
